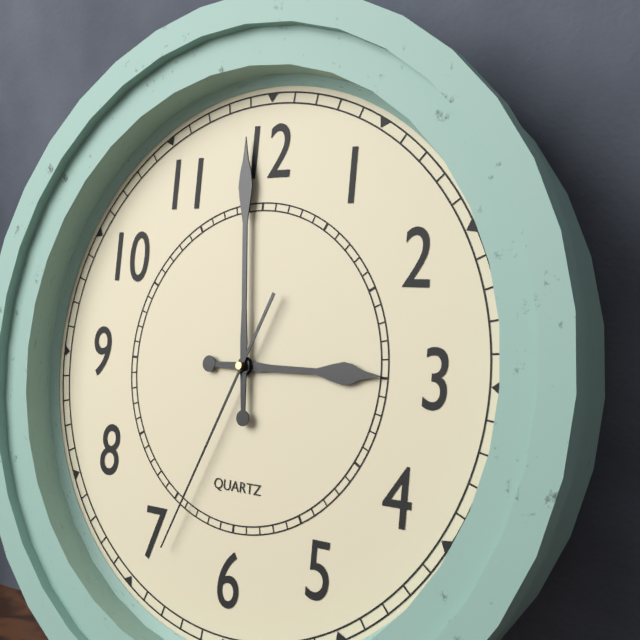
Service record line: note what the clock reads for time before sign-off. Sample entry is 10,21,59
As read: 2,59,34
